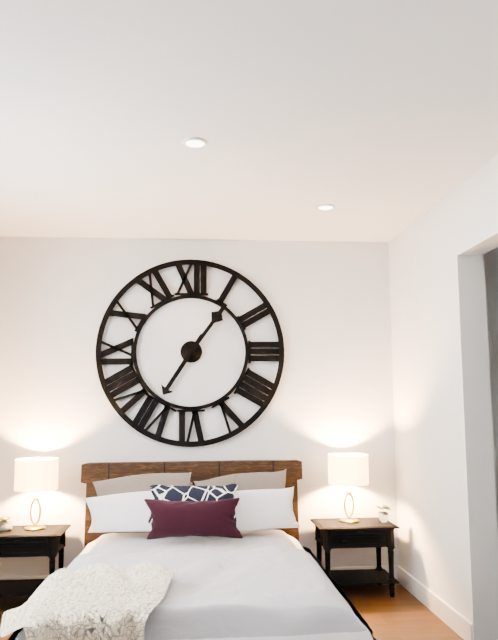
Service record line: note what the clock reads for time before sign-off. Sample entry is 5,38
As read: 7,06
